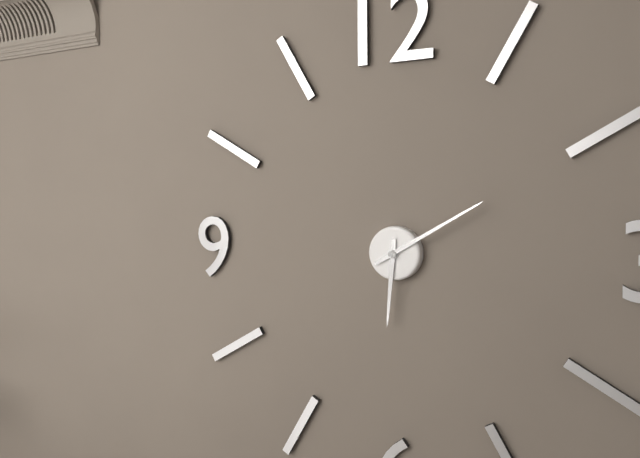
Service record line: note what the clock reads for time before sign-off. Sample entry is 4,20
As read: 6,10
